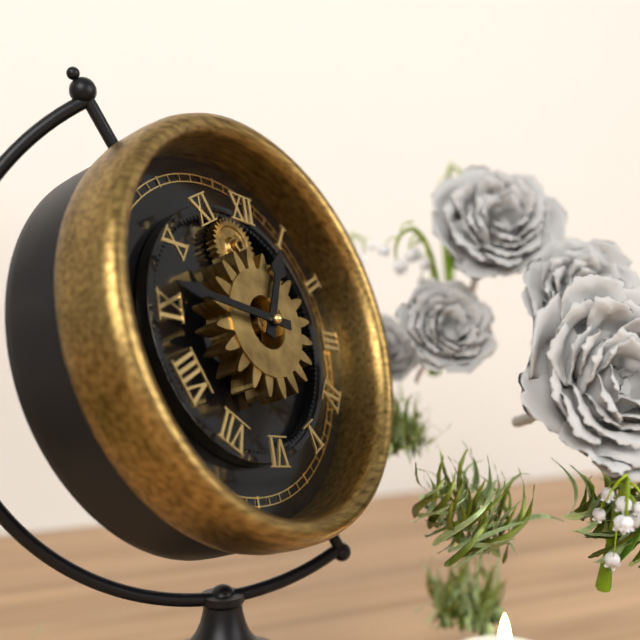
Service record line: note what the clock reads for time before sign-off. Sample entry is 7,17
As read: 12,46
